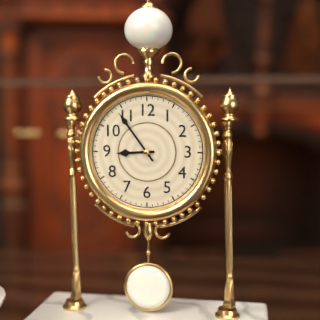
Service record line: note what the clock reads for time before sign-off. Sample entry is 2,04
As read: 8,54
